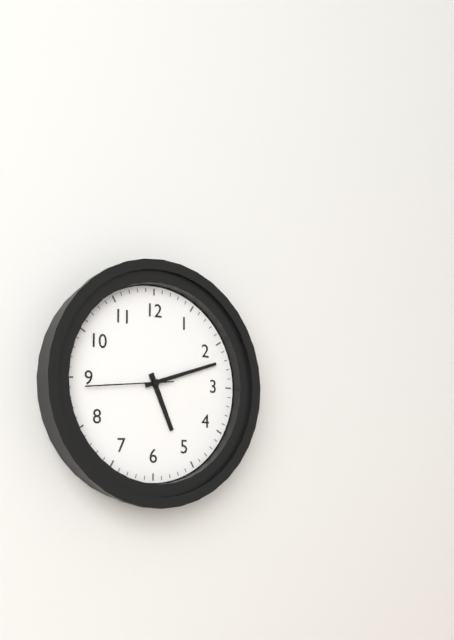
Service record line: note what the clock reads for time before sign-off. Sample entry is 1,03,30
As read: 5,12,44
